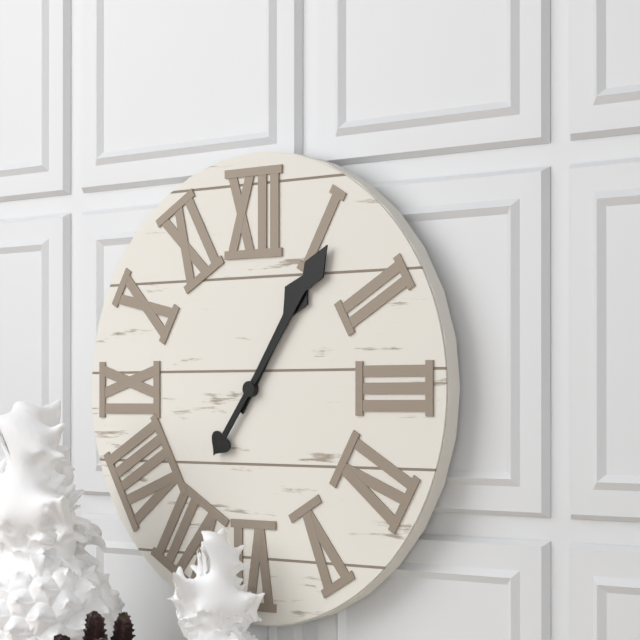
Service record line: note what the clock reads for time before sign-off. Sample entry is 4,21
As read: 1,06
